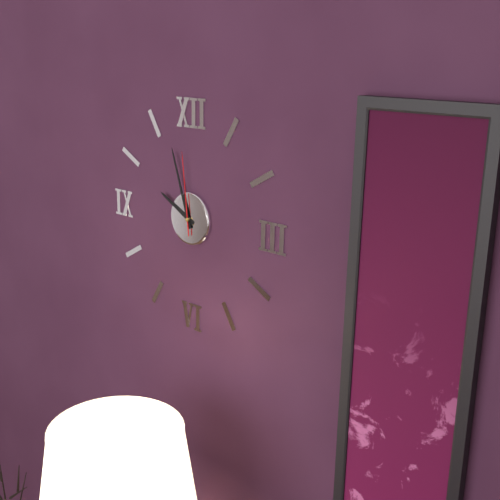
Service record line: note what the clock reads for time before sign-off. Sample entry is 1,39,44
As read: 9,57,59
